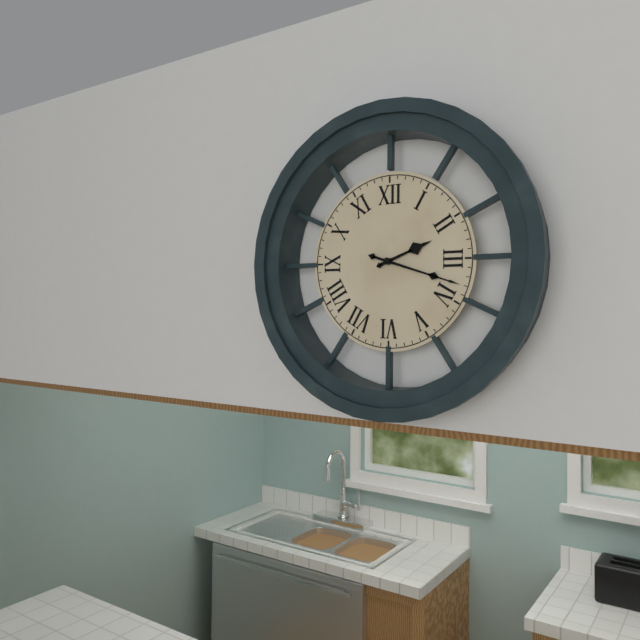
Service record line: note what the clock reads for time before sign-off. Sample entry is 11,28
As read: 2,18
